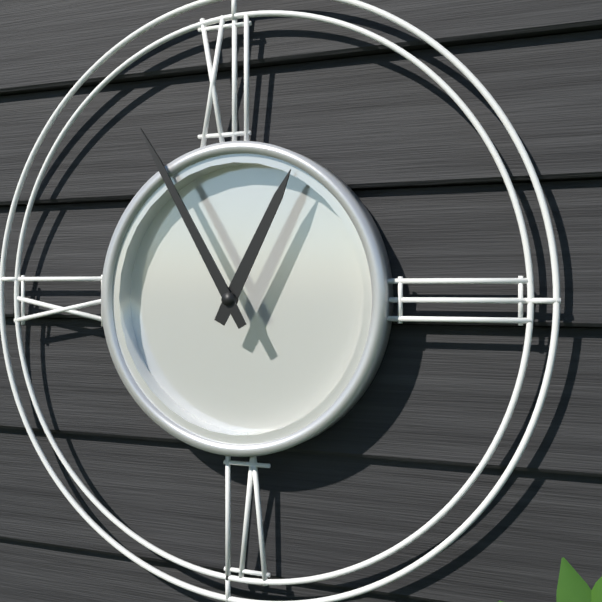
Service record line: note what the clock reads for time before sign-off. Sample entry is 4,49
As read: 12,55
